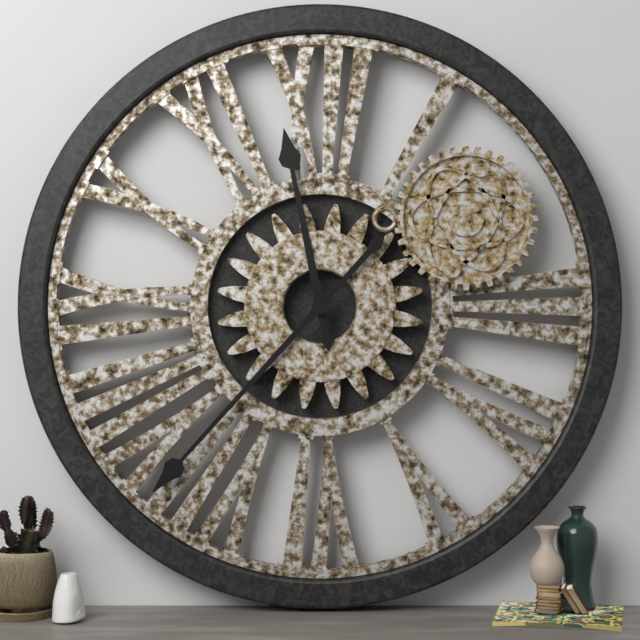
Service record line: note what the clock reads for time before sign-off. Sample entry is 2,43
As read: 11,37
